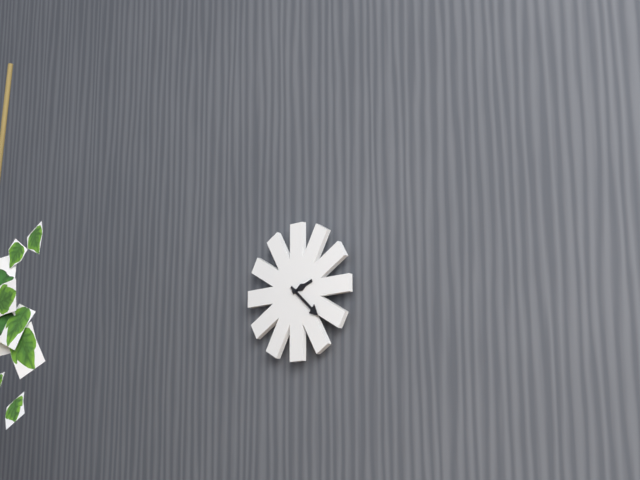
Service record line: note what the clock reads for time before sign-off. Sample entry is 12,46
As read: 2,22
